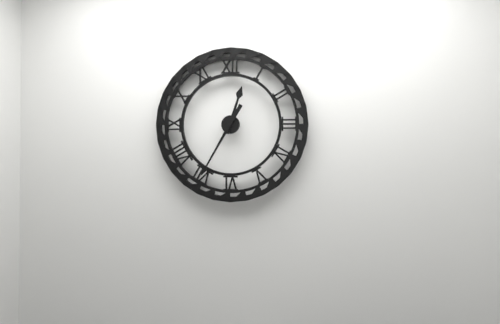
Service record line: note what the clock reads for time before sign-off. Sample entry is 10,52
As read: 12,35
